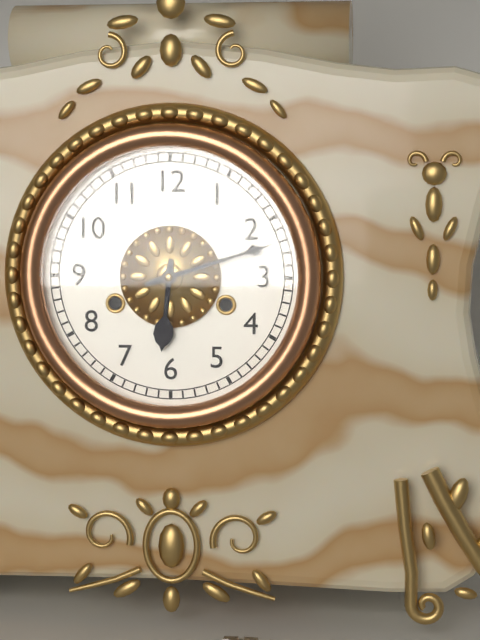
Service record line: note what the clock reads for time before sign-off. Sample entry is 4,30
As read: 6,12
